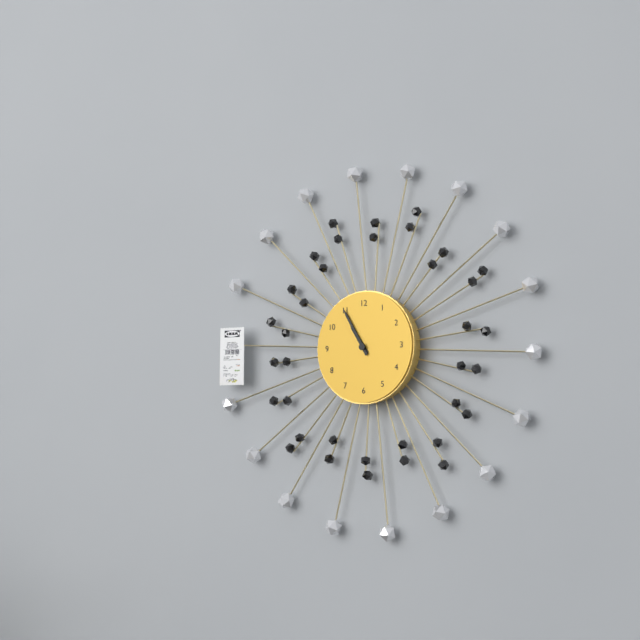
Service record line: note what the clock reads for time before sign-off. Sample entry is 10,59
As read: 10,55
